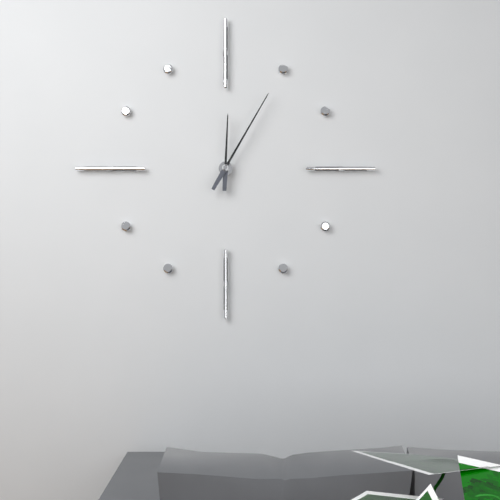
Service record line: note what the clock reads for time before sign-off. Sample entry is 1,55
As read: 12,05
